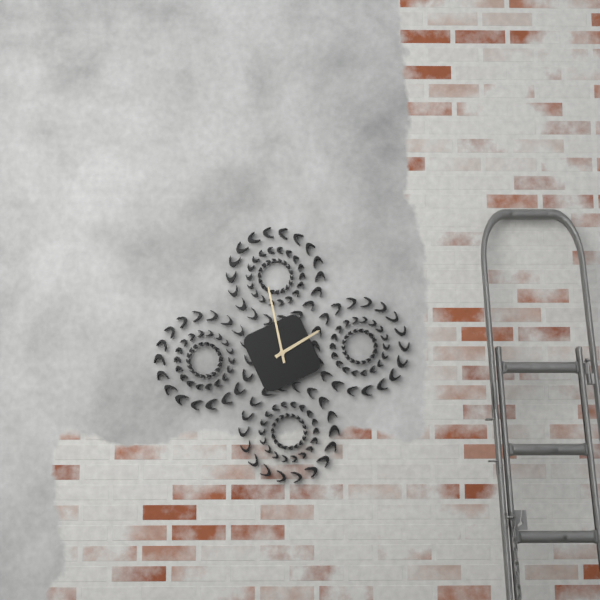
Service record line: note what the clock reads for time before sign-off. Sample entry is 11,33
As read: 1,58
